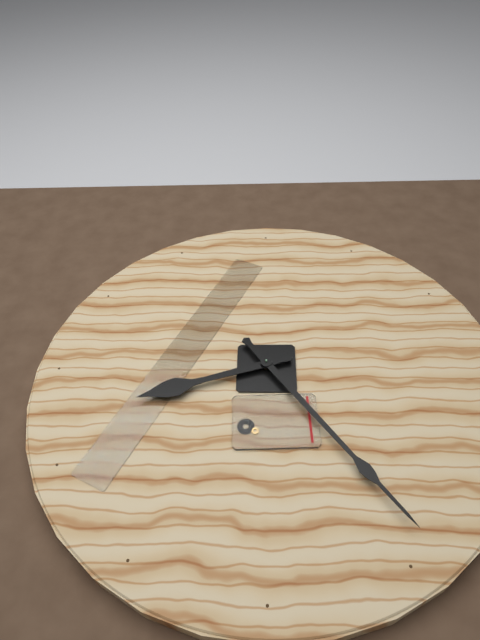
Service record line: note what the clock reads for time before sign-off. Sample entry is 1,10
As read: 8,24
